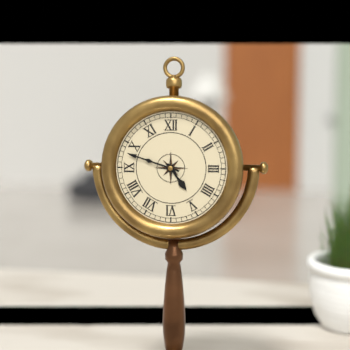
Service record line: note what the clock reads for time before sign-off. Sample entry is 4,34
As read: 4,48
